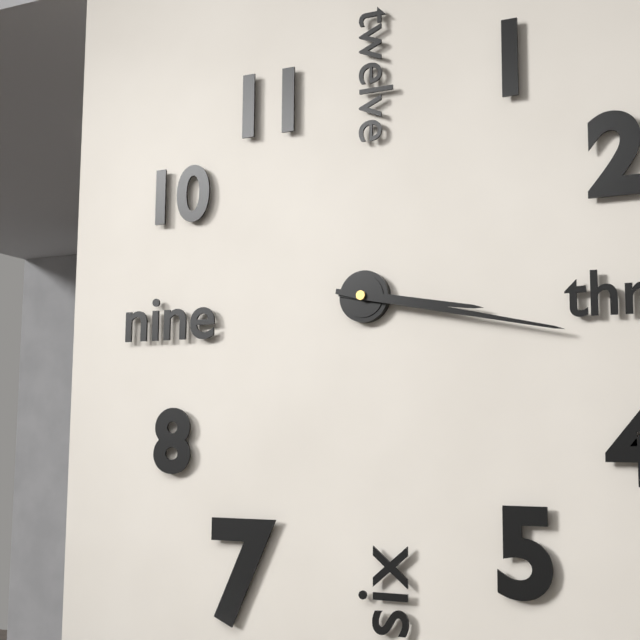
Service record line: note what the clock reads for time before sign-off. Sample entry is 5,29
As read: 3,17
